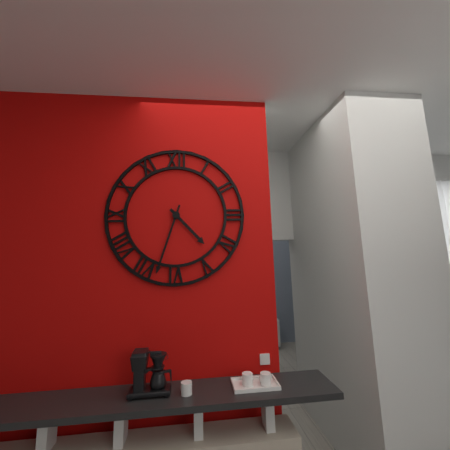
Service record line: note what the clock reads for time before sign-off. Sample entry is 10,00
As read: 4,33
